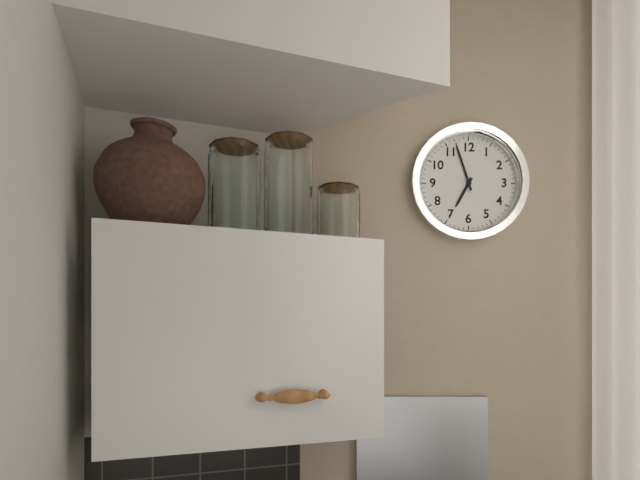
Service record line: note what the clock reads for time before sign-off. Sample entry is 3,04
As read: 6,57
